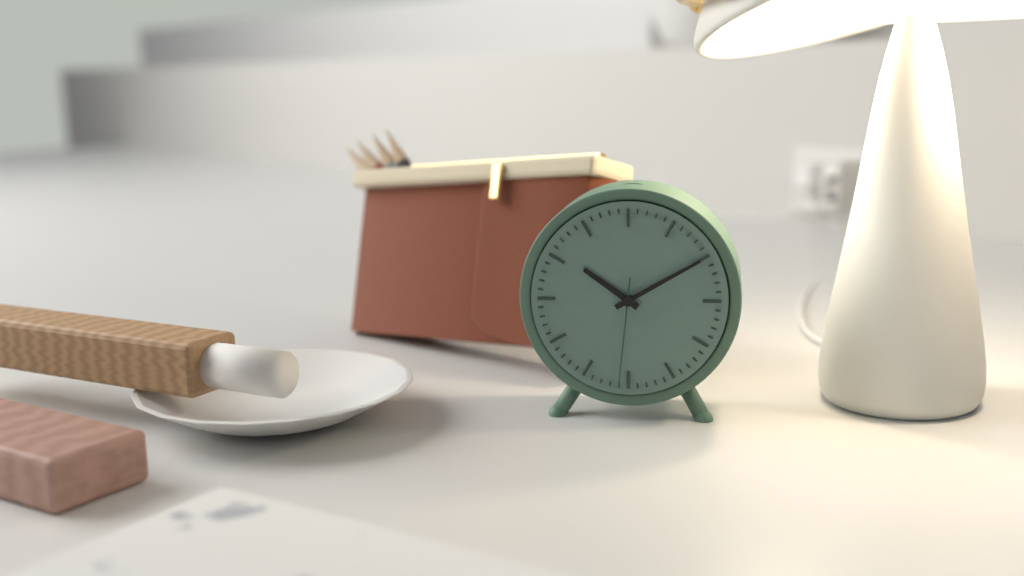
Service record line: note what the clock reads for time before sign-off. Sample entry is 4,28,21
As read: 10,10,31
